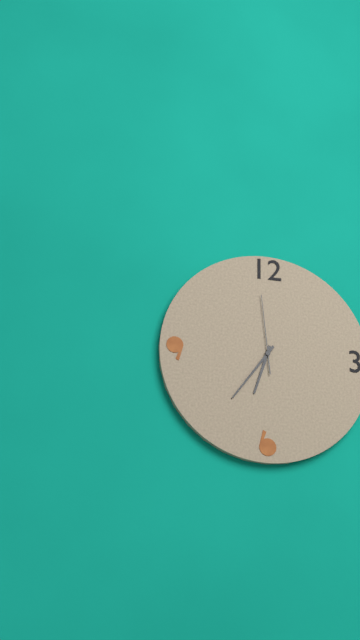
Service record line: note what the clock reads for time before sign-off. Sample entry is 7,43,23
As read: 6,36,59
